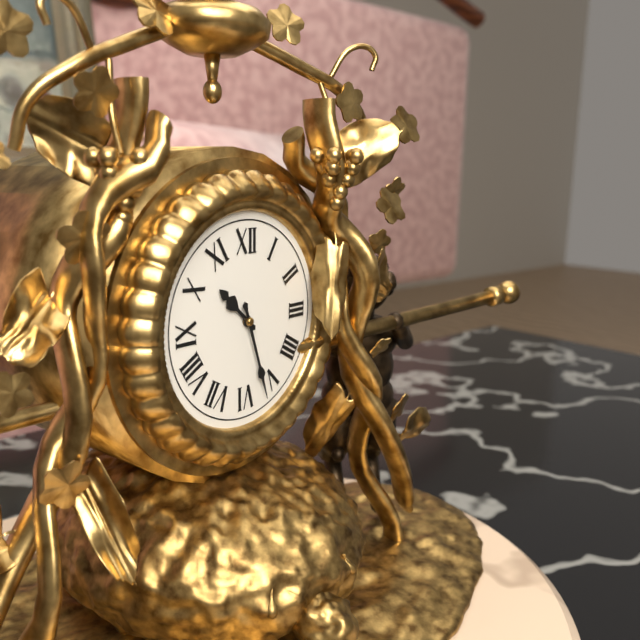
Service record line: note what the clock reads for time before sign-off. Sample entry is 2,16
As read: 10,27
